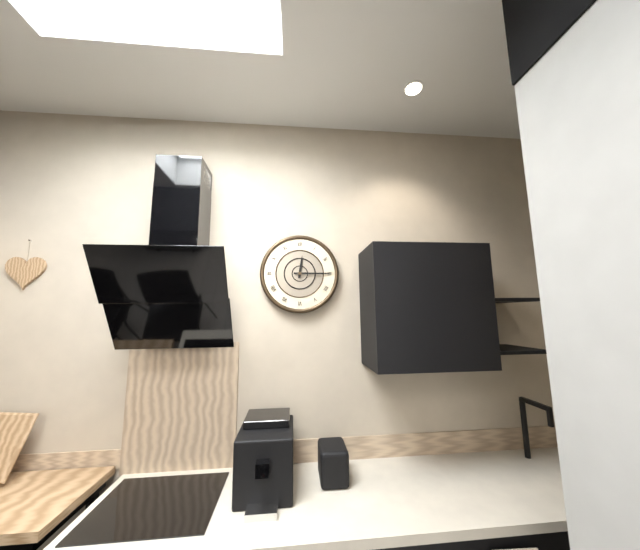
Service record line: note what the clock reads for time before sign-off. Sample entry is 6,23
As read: 12,15
